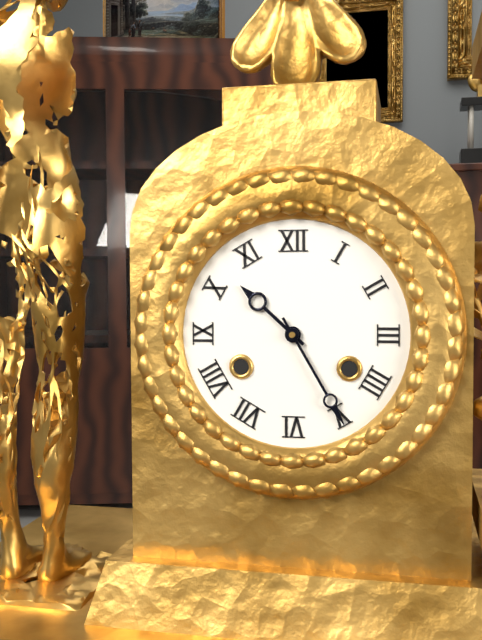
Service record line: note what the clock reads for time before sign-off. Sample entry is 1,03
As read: 10,25
